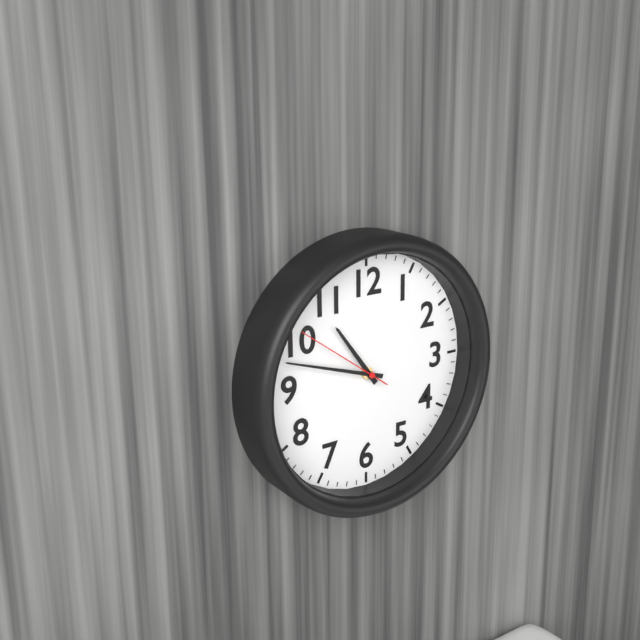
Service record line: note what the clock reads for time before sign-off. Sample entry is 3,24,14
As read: 10,48,51
